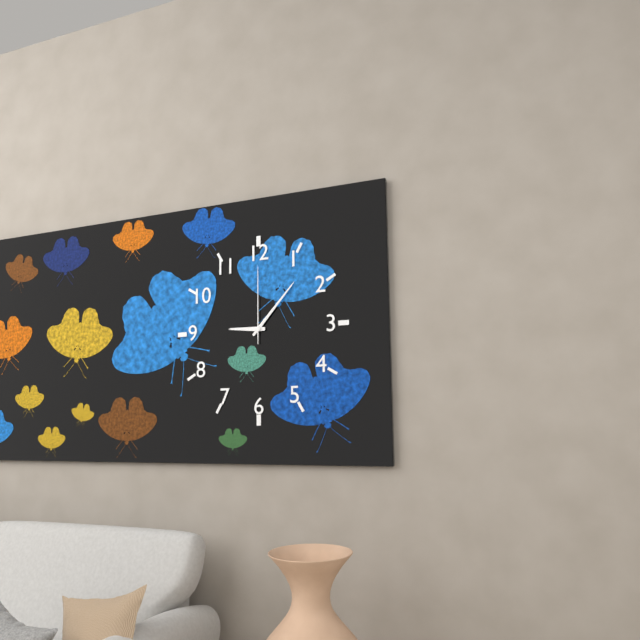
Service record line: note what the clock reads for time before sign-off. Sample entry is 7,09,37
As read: 9,07,00
